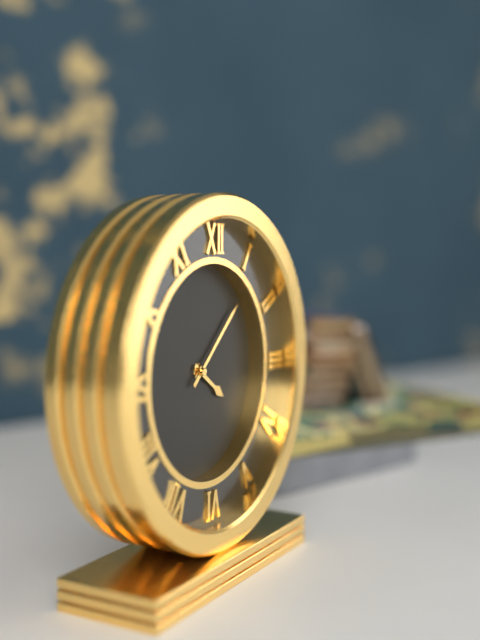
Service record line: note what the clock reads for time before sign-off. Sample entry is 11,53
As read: 4,08
